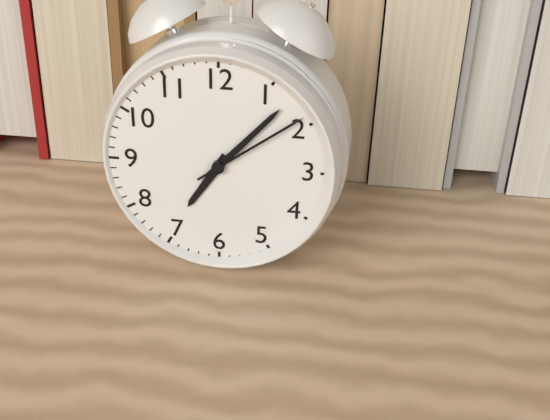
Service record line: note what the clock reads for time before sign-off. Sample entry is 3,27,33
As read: 7,07,09
